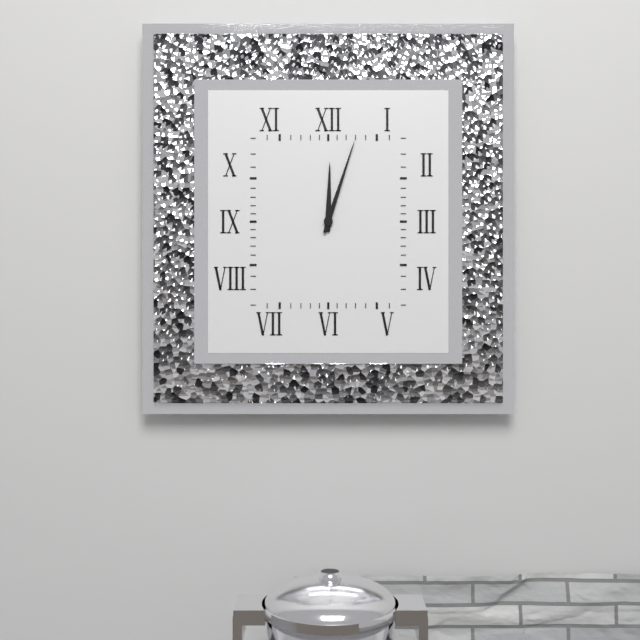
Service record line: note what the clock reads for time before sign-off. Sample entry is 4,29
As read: 12,03
